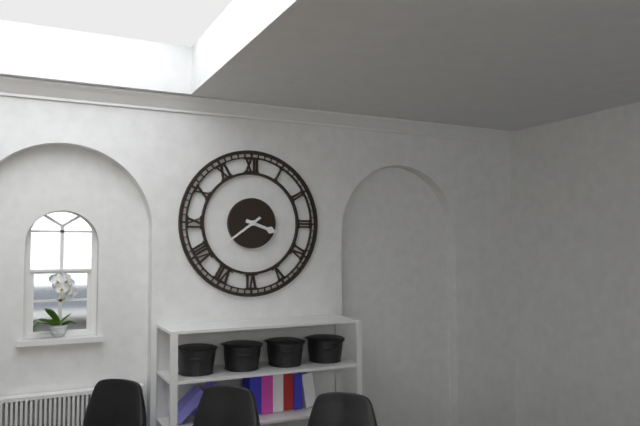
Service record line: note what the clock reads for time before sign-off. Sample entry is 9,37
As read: 3,39
